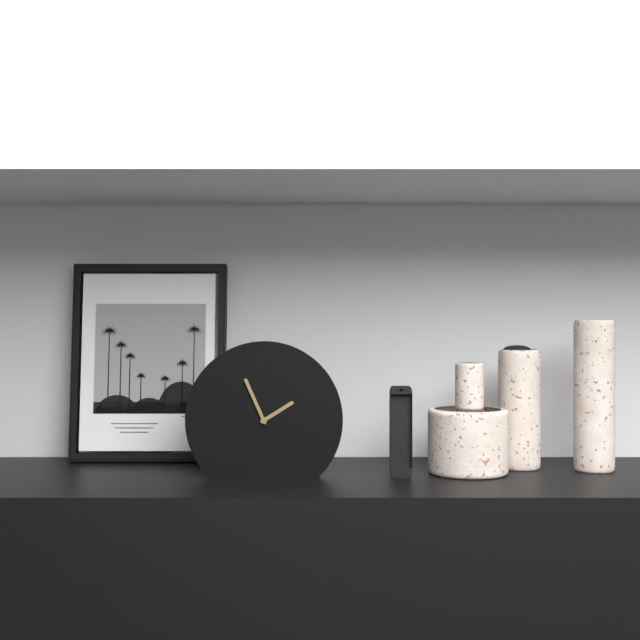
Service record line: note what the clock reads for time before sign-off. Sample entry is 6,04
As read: 1,56
